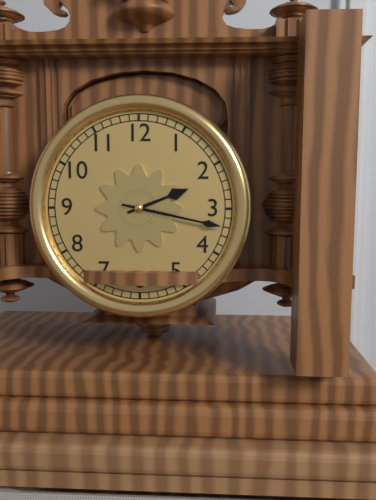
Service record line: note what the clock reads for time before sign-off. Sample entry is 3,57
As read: 2,17
